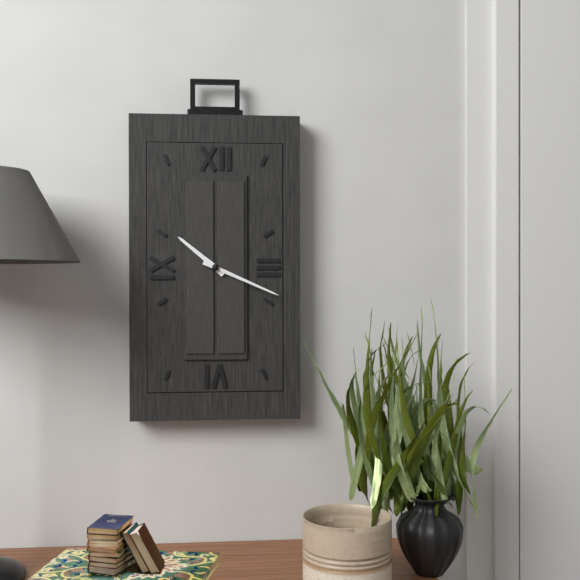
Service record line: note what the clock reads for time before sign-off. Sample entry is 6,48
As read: 10,19
